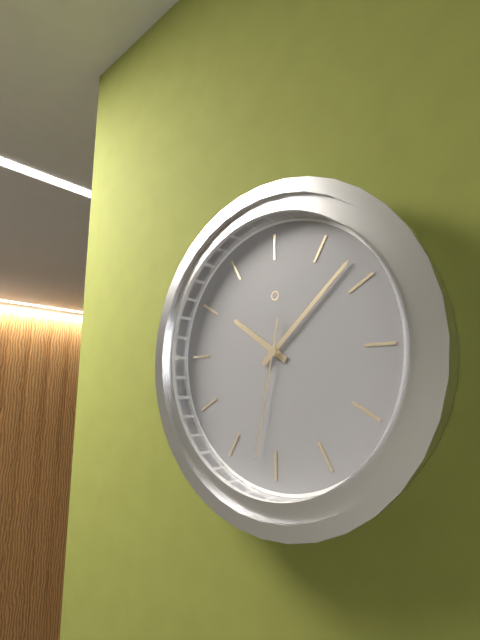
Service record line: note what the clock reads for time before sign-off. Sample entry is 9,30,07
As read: 10,08,32
